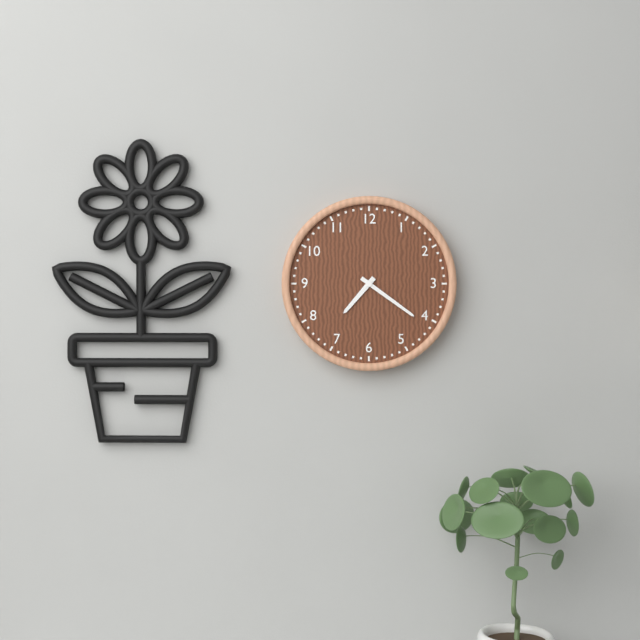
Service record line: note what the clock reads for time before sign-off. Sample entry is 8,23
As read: 7,21
